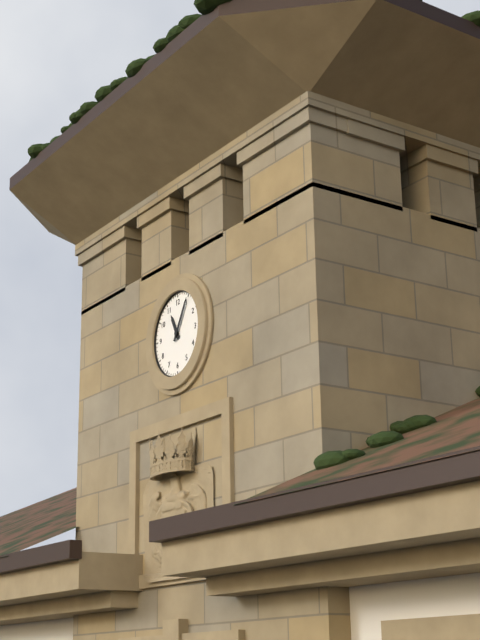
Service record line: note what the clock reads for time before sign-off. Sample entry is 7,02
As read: 11,05
